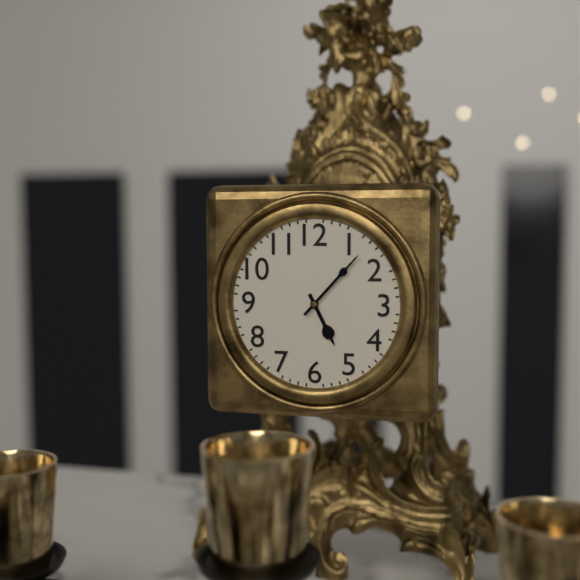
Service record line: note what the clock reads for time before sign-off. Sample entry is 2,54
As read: 5,07
